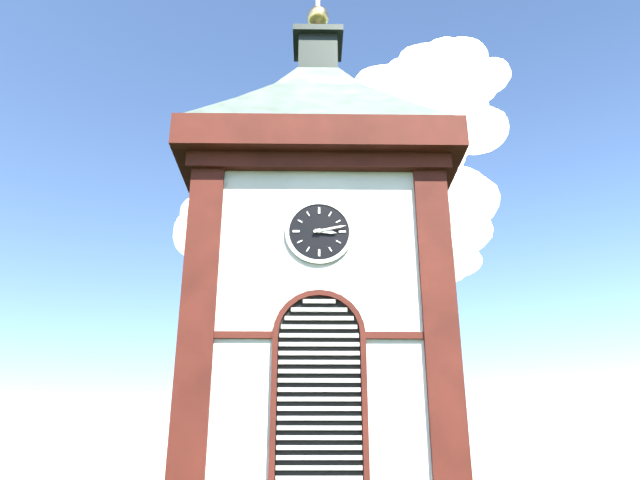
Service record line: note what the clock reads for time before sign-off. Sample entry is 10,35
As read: 3,13
